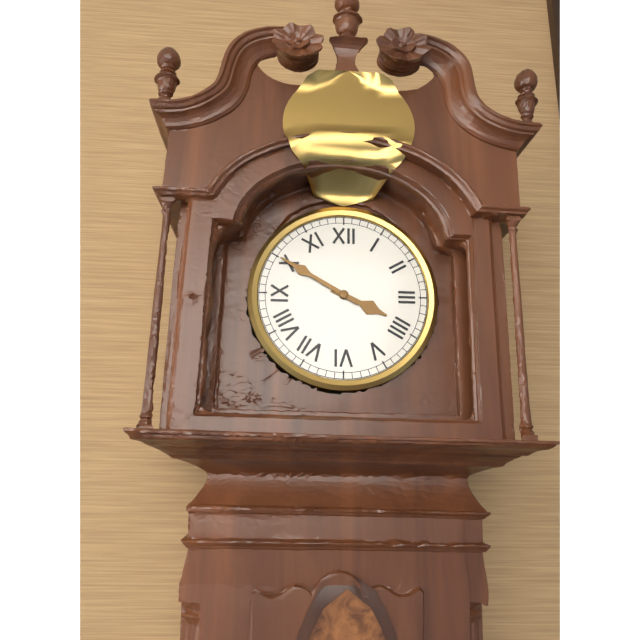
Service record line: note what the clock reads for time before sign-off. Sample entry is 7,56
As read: 3,50
